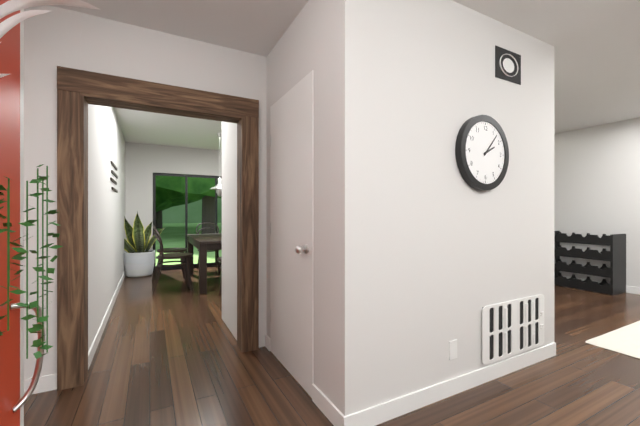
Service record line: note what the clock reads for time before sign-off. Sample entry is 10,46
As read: 2,07
